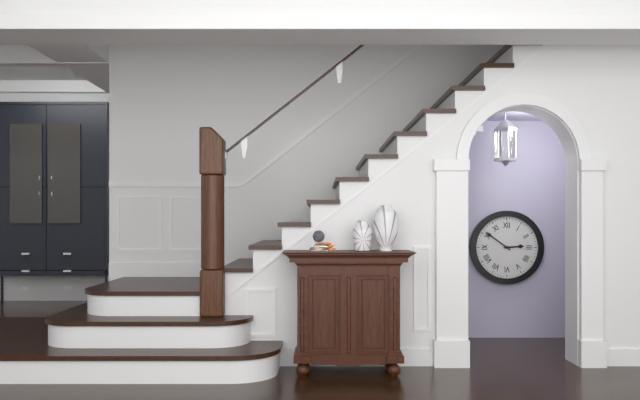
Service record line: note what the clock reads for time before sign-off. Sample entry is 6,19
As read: 2,51
